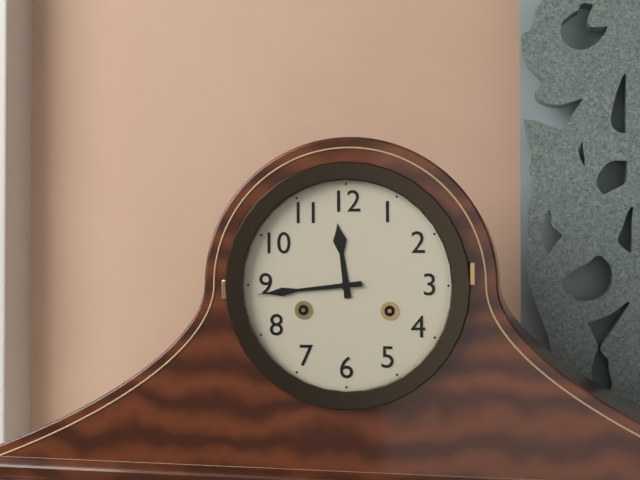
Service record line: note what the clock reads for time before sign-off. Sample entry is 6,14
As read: 11,44
